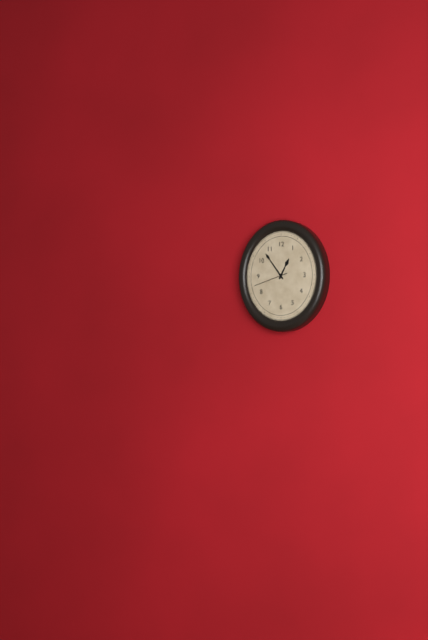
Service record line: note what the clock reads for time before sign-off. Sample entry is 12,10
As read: 12,54
